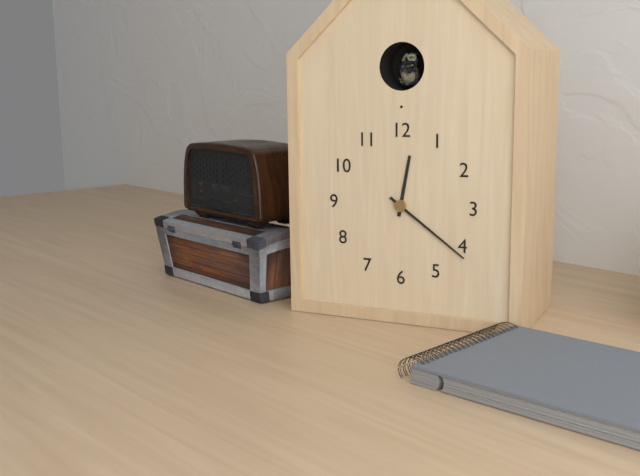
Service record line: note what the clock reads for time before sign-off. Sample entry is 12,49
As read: 12,21
